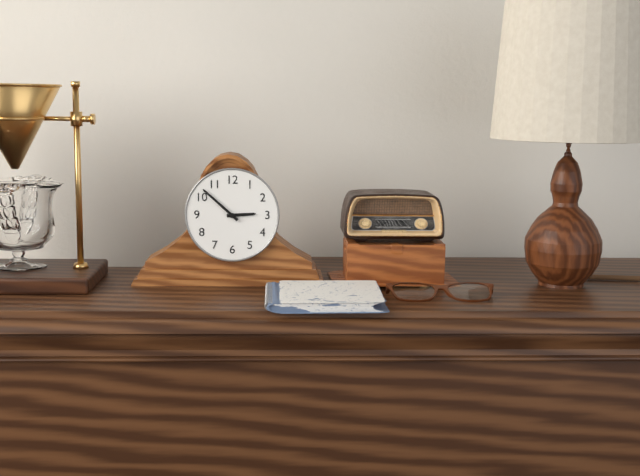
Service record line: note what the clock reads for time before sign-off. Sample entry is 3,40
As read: 2,52
